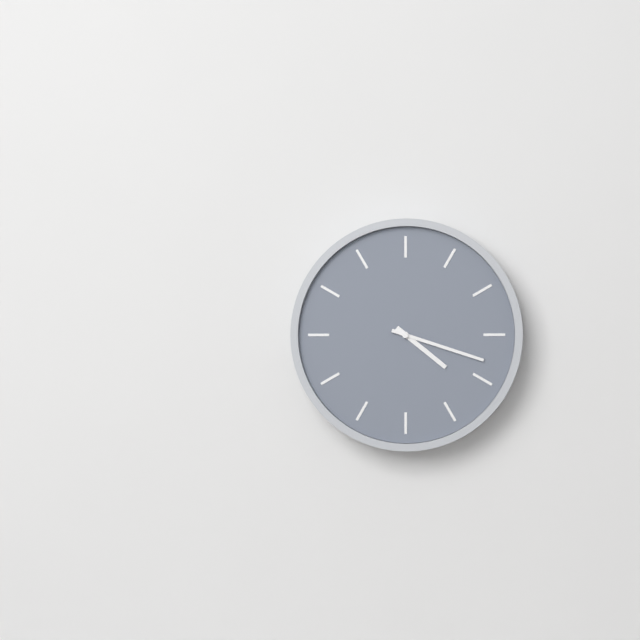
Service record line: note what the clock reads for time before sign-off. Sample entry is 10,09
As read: 4,18
